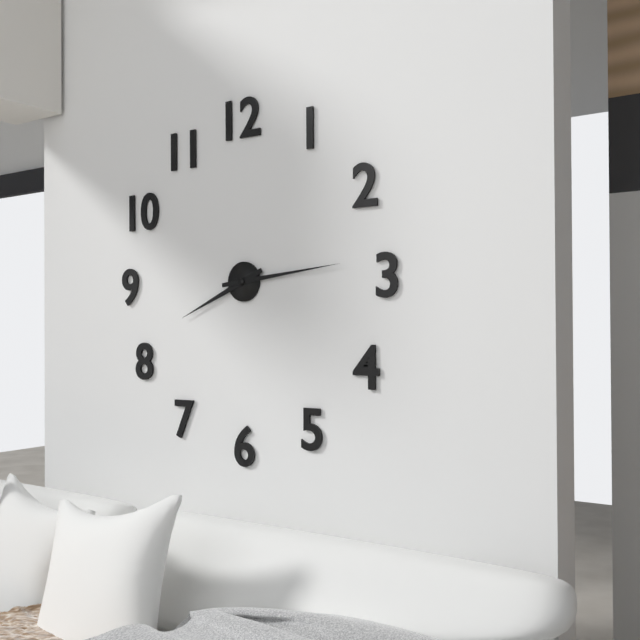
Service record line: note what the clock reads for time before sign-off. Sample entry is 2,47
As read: 8,14
